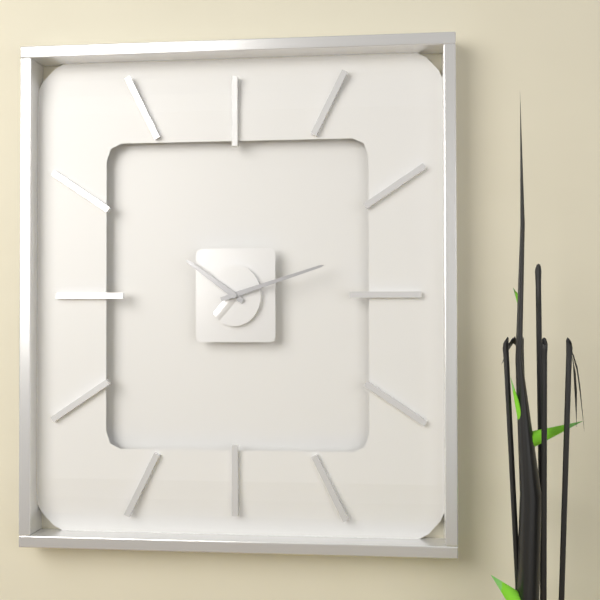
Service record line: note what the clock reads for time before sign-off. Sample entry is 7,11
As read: 10,12
